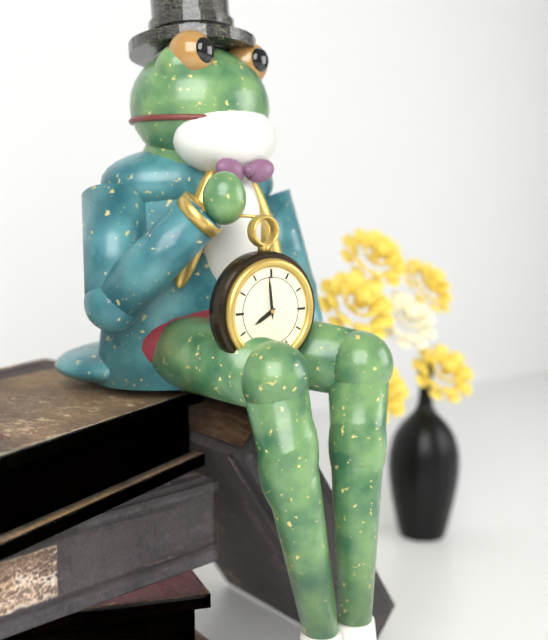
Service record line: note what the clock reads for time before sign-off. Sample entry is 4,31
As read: 7,59
